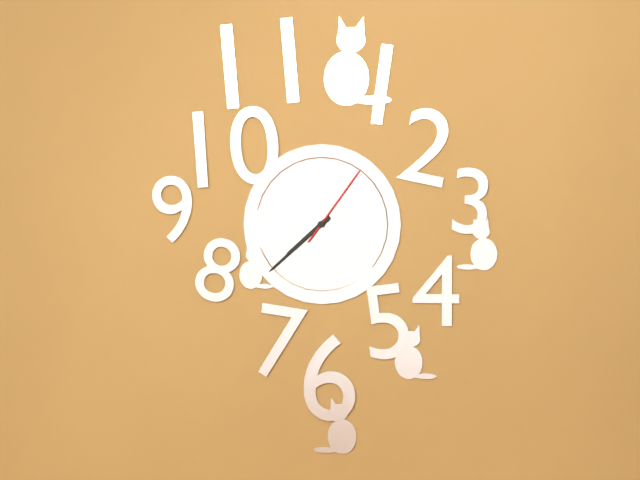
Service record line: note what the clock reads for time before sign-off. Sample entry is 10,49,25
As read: 7,38,06
